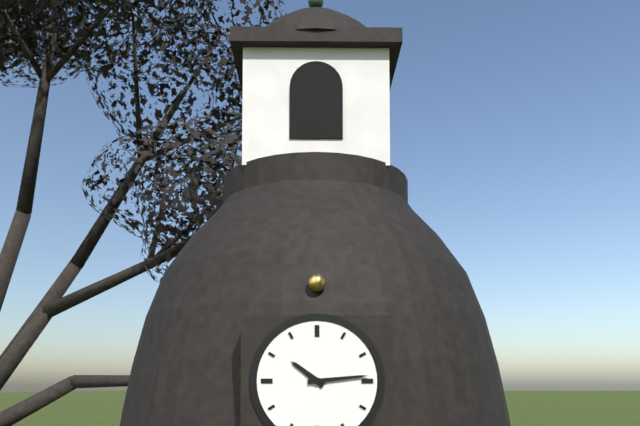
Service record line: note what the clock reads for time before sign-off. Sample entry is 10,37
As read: 10,14
